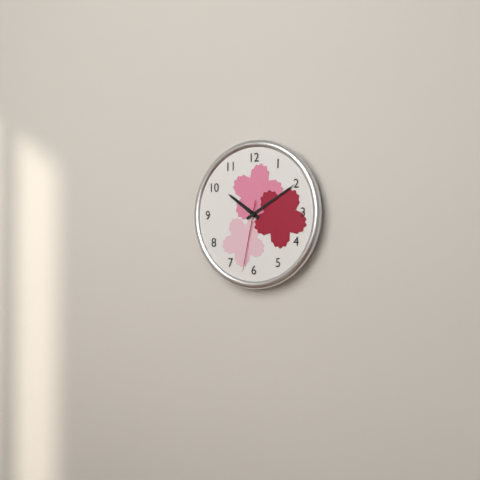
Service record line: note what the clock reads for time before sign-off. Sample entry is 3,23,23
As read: 10,10,32
